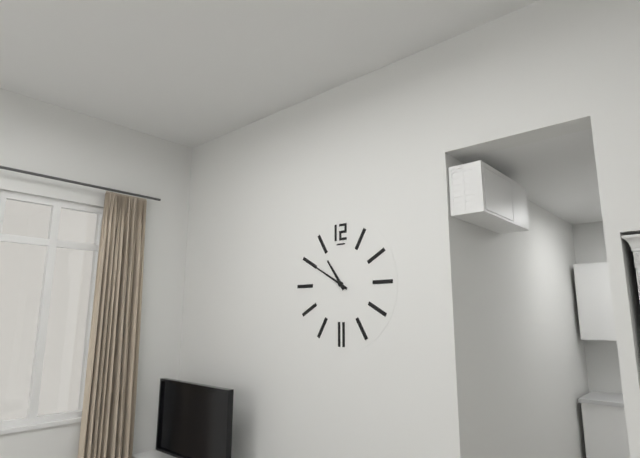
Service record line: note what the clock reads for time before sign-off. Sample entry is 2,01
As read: 10,50
